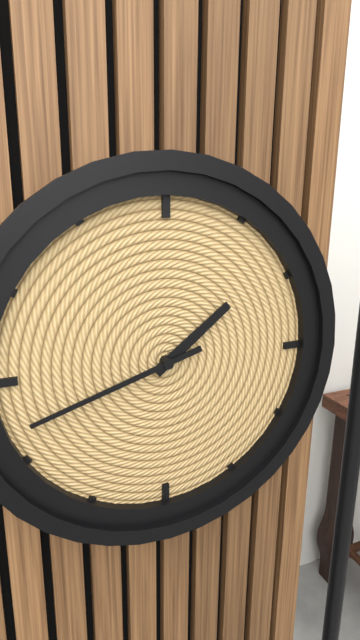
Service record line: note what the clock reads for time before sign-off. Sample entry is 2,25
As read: 1,42
